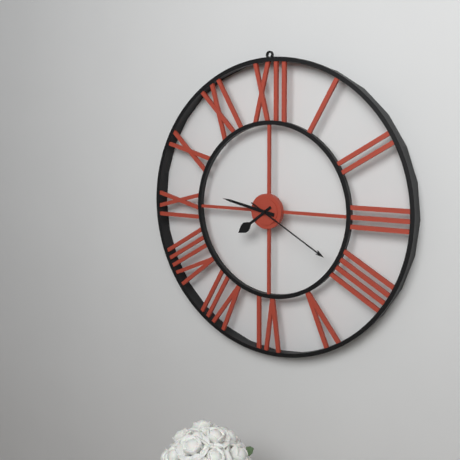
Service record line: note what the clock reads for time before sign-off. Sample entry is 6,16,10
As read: 7,47,20
